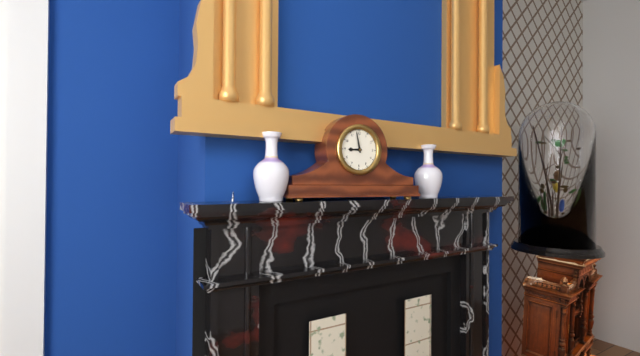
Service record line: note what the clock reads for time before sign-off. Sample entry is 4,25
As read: 8,58
